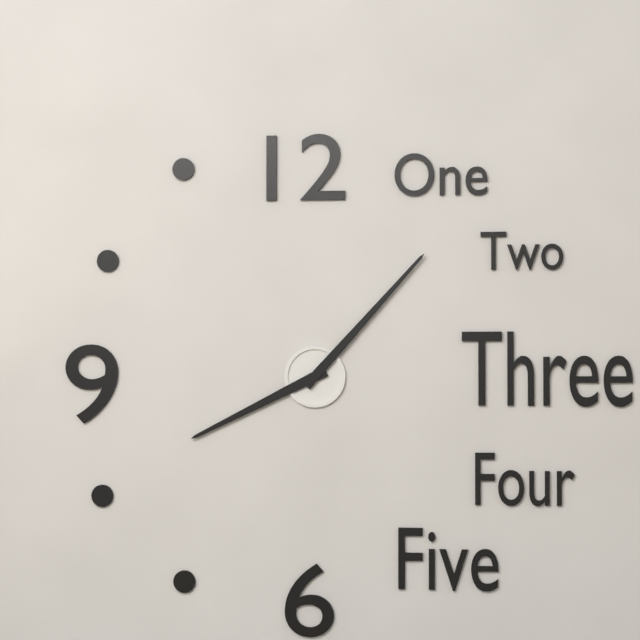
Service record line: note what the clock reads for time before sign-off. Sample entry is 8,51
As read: 8,07
